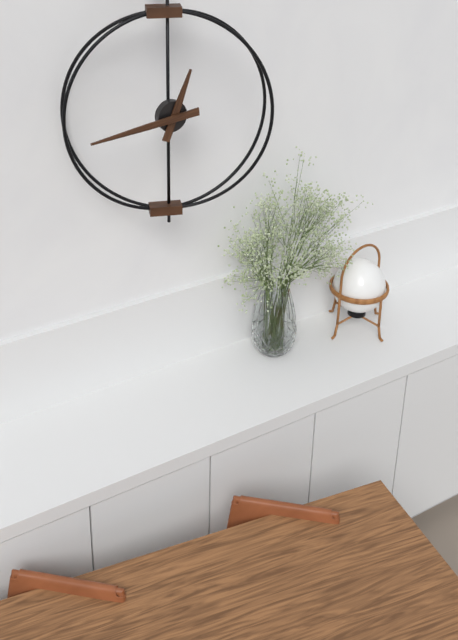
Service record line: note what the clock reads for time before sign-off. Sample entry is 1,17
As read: 12,44
